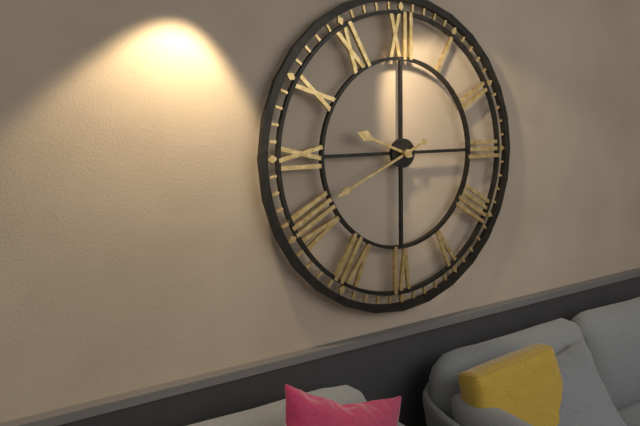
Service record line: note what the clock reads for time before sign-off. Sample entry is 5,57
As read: 9,41
